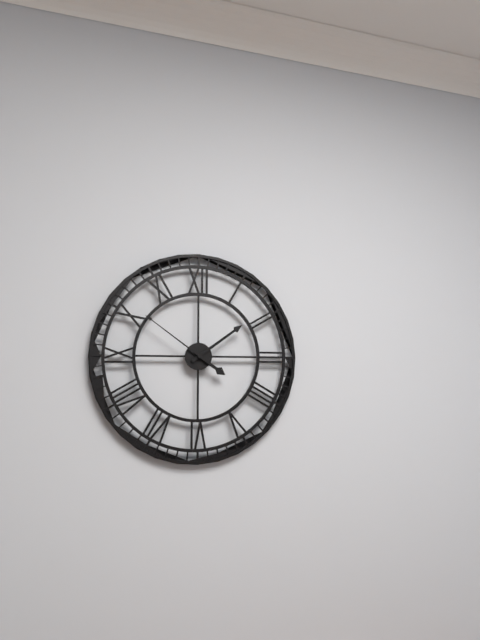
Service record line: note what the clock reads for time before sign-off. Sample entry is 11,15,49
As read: 4,09,51
